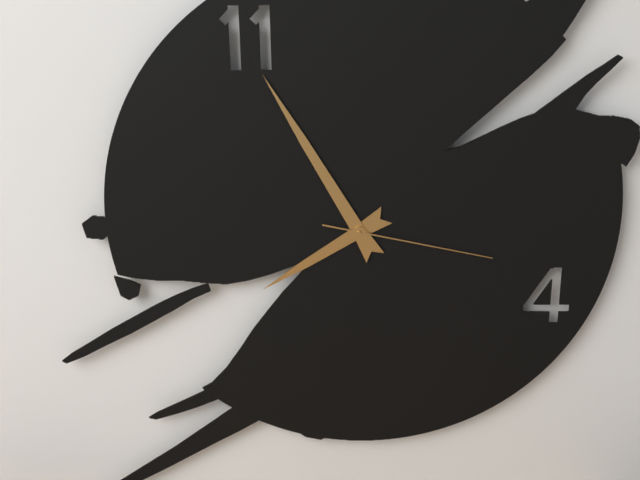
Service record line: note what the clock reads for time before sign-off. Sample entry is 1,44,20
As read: 7,55,17
